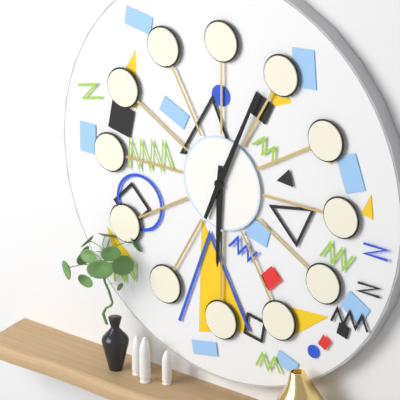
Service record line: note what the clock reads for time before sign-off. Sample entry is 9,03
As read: 6,04
